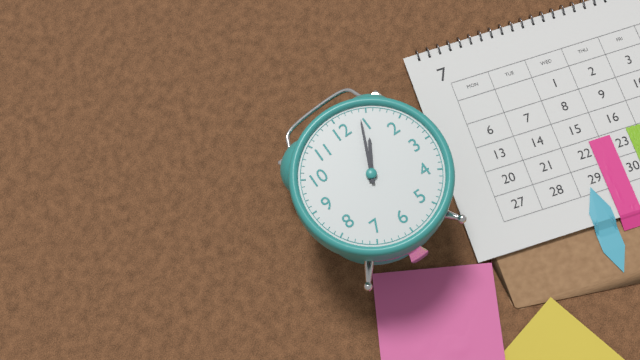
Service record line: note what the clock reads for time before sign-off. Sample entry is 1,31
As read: 1,04
